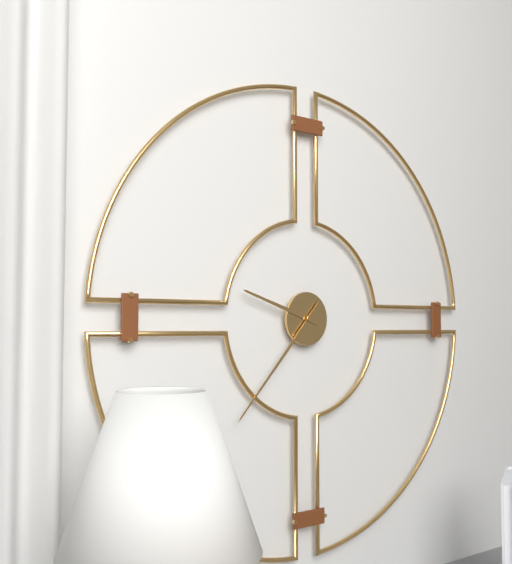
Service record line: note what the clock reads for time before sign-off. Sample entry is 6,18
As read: 9,37
